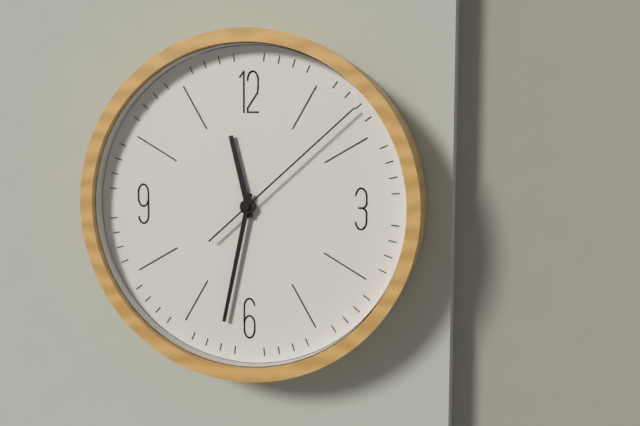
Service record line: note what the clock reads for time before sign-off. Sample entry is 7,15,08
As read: 11,32,08
